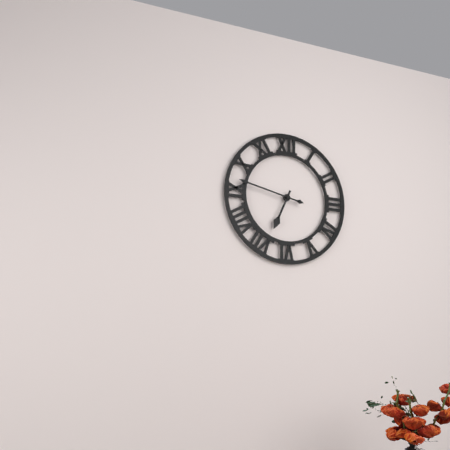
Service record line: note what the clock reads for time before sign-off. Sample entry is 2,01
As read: 6,47
